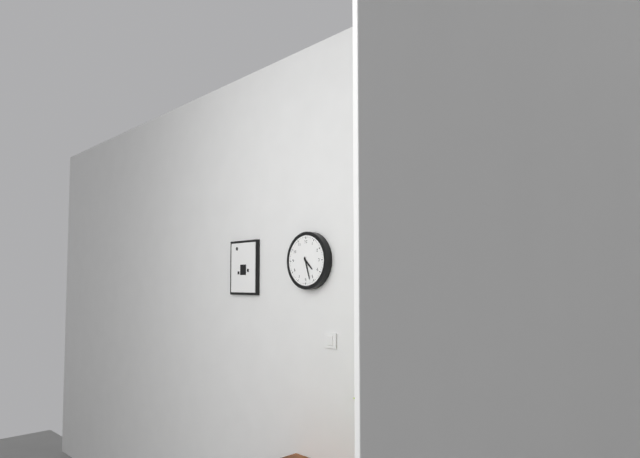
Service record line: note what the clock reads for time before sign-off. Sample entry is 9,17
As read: 4,27
